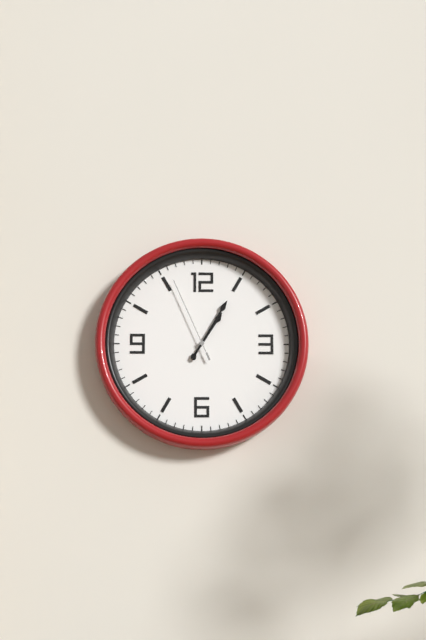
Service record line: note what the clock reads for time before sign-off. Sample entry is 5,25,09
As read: 1,05,56
